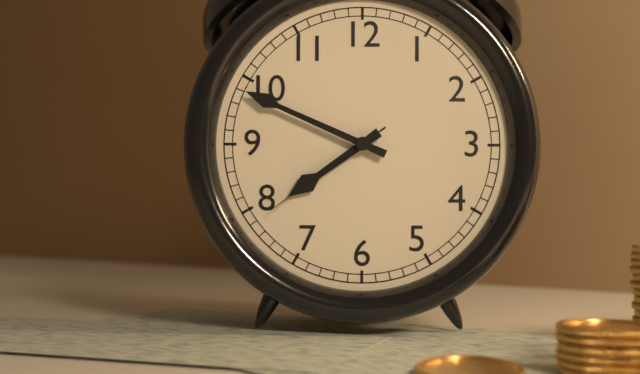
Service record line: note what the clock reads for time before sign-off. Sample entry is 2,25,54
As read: 7,49,39
